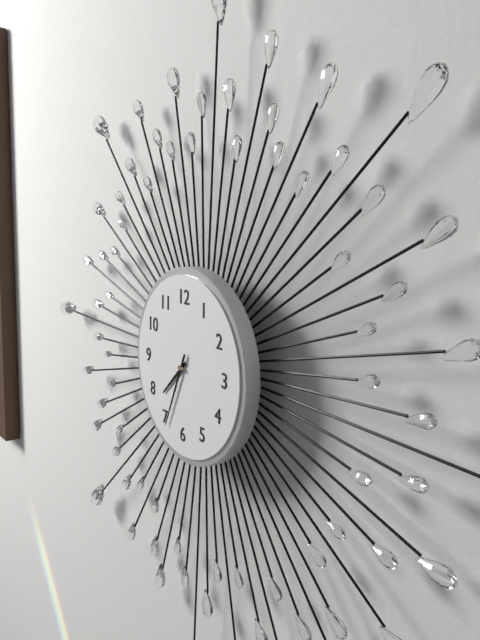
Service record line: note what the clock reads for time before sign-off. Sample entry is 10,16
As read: 7,34
